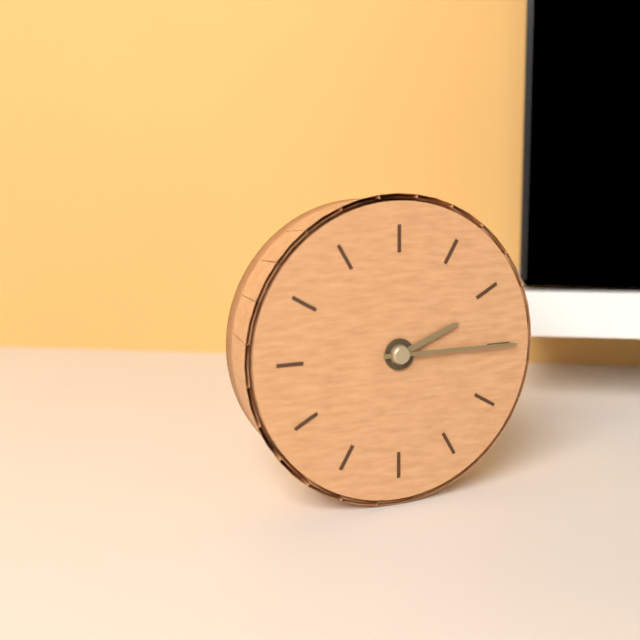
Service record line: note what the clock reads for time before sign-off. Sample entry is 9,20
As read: 2,15
